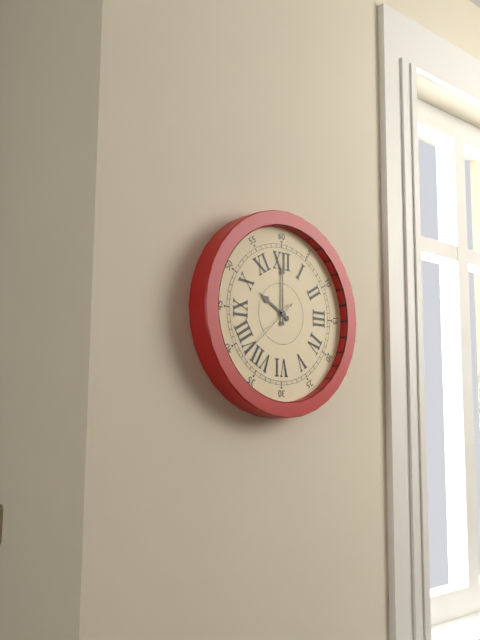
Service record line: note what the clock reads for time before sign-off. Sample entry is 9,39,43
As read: 10,00,38
